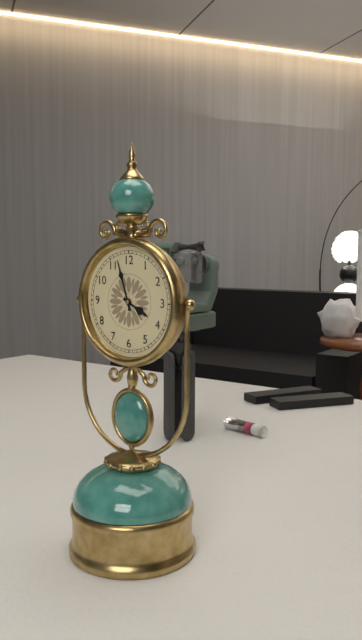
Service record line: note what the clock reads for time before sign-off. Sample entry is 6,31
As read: 3,57
